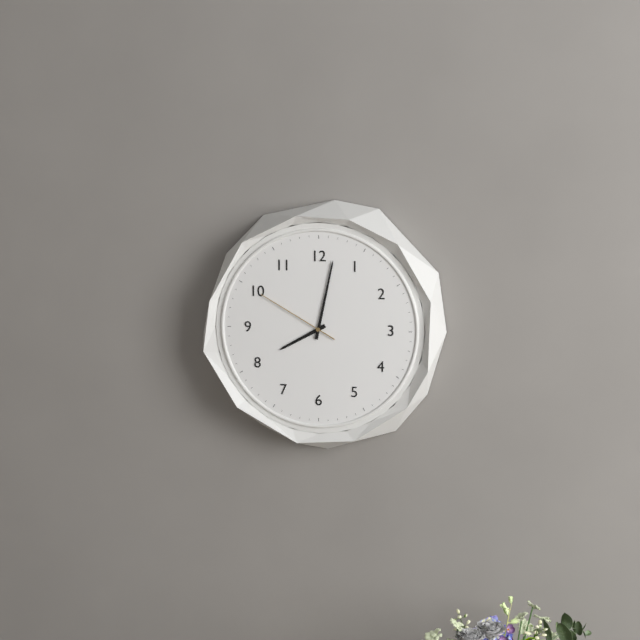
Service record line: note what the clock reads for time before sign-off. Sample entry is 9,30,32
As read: 8,02,50
